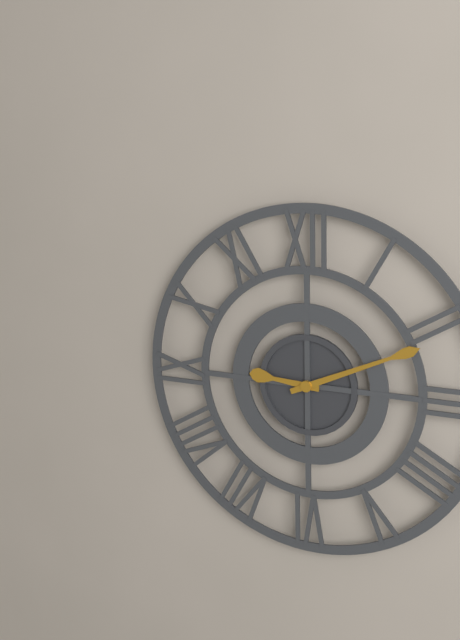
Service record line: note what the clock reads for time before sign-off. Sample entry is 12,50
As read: 9,11
